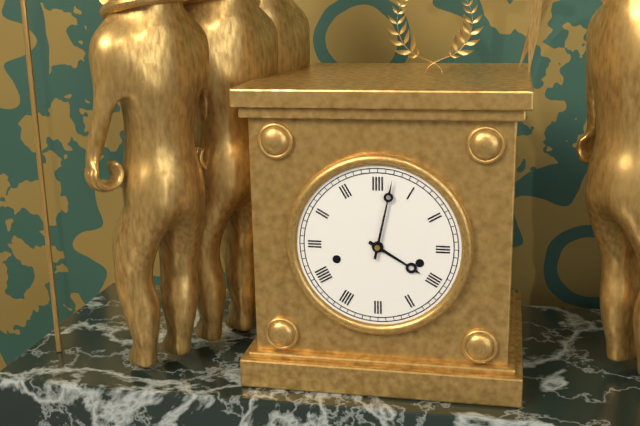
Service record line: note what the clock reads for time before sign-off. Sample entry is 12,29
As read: 4,02
